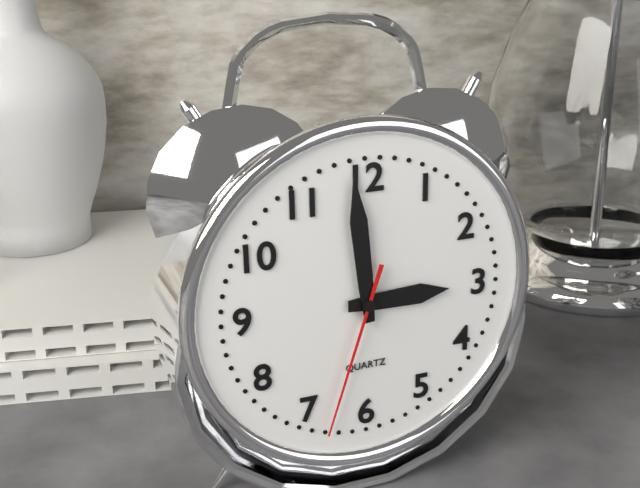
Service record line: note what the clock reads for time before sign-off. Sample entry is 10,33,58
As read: 2,59,33
